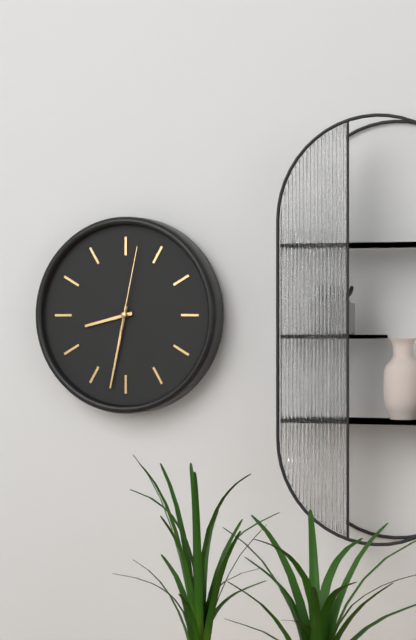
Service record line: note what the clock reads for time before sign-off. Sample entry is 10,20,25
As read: 8,32,02
